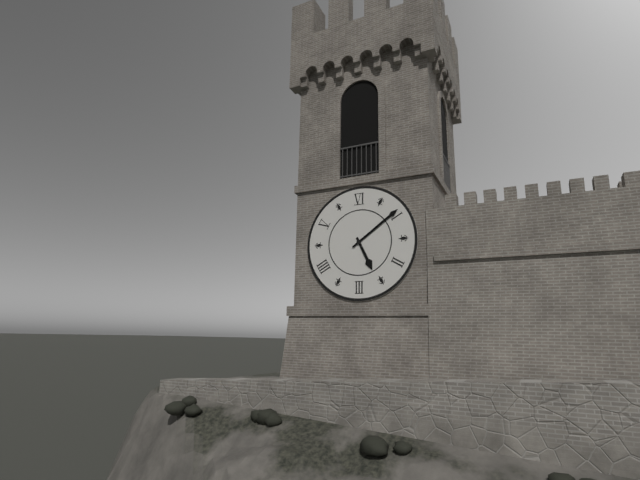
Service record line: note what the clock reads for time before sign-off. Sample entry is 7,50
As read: 5,09
